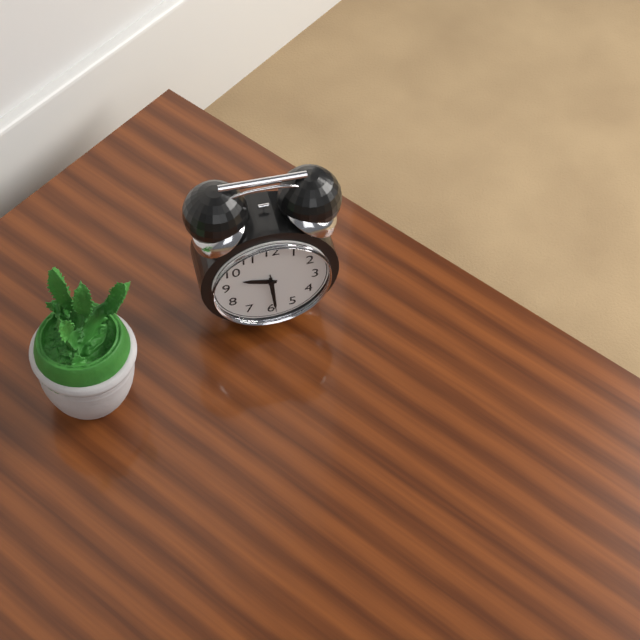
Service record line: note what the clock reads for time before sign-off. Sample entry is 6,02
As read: 9,29
